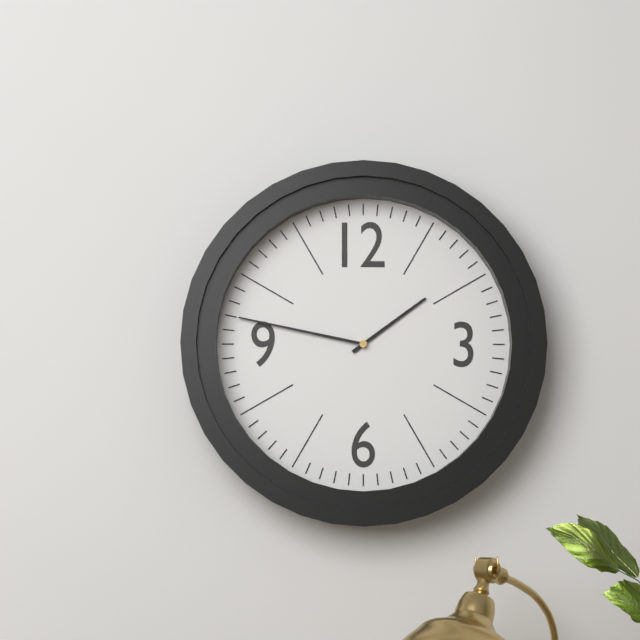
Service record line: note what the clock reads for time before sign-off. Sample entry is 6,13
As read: 1,47
